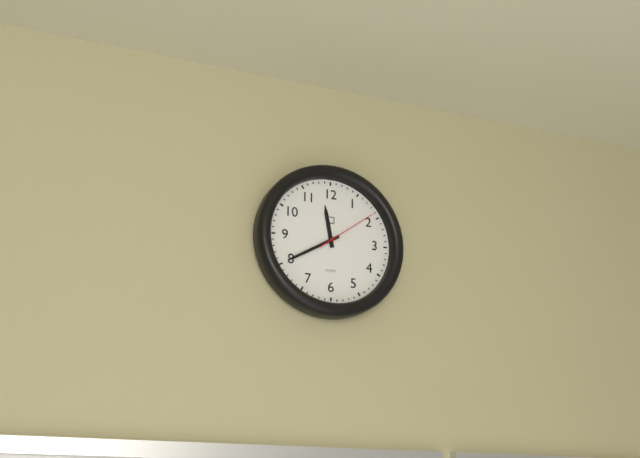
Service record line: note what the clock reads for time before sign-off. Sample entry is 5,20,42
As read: 11,40,09
